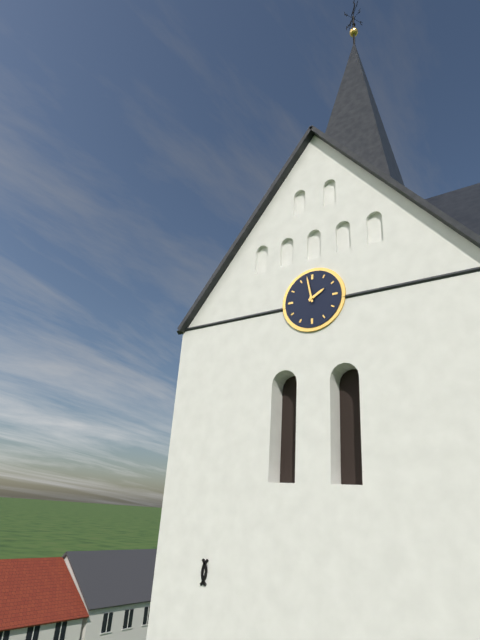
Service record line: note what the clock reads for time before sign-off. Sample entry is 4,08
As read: 1,58
